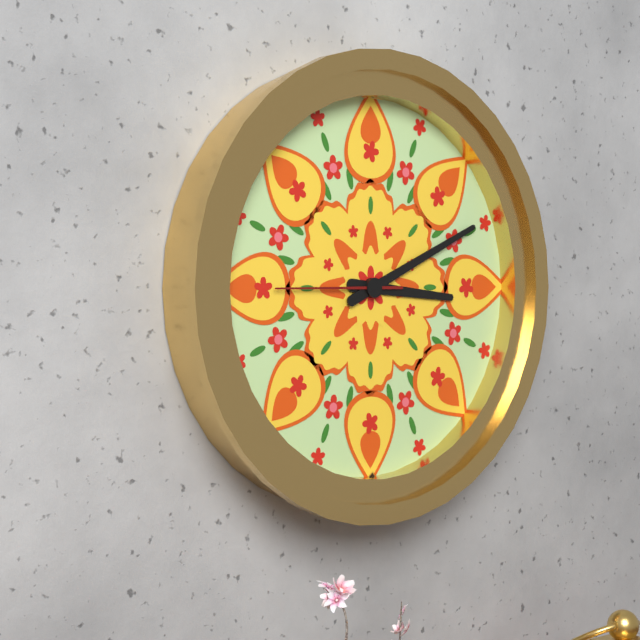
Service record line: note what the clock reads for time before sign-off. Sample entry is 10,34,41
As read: 3,11,45
